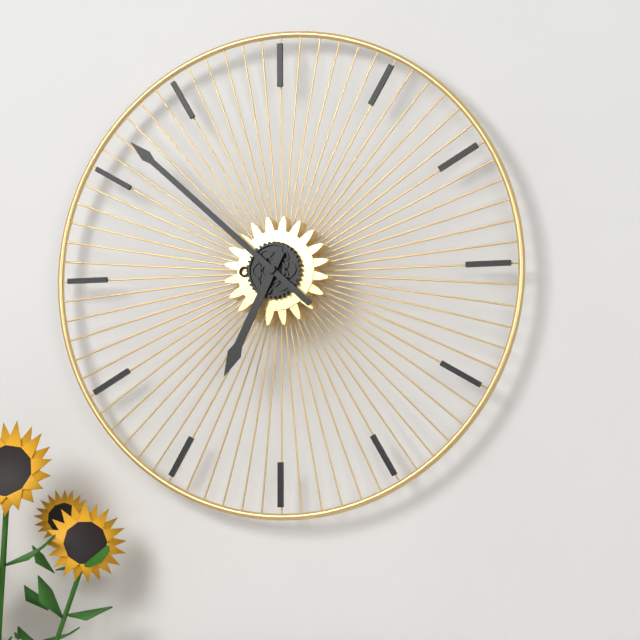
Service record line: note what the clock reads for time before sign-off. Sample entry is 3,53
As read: 6,52
